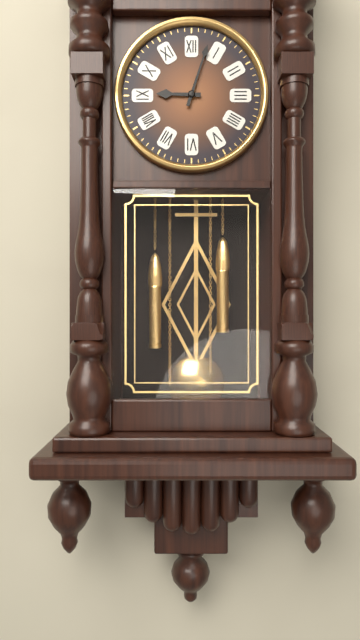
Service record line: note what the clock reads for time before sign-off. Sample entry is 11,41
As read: 9,03
